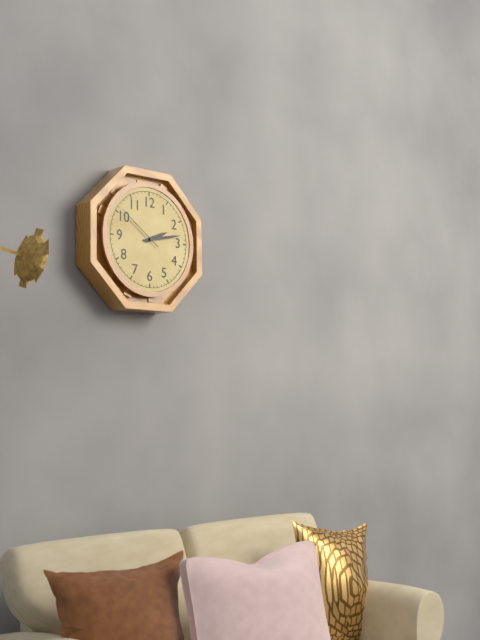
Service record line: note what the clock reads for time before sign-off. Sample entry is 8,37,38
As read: 2,13,51
